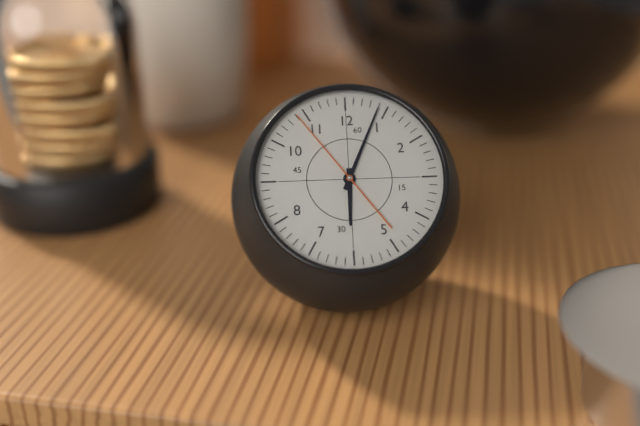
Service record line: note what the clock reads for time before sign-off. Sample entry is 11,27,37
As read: 6,04,54
